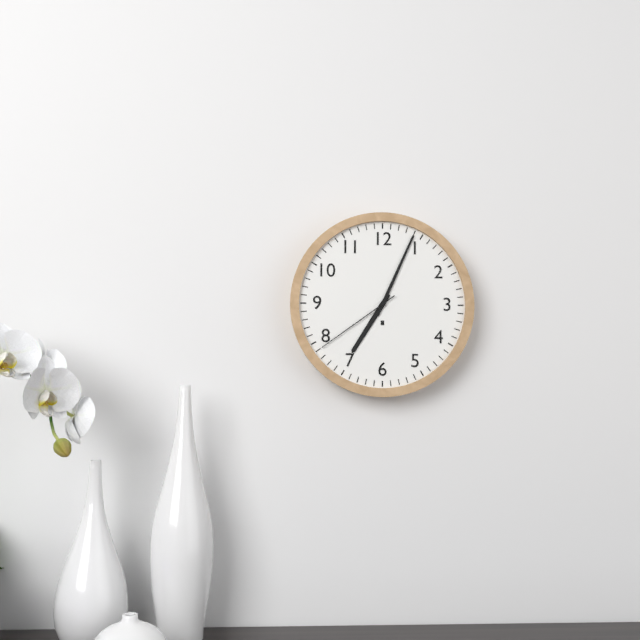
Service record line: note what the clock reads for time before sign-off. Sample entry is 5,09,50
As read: 7,04,39
